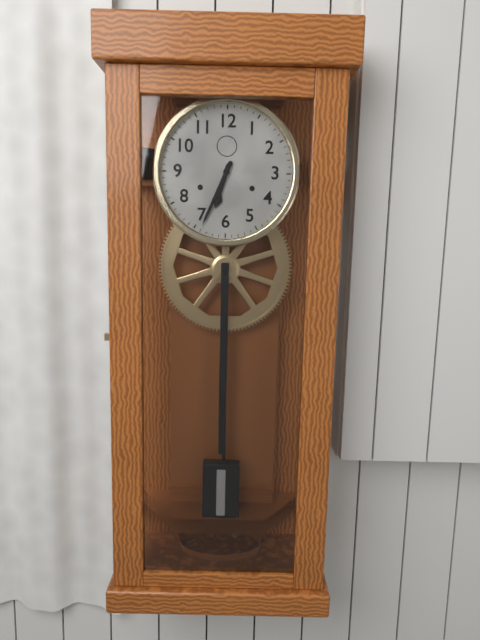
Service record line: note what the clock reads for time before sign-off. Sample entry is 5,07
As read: 6,34
